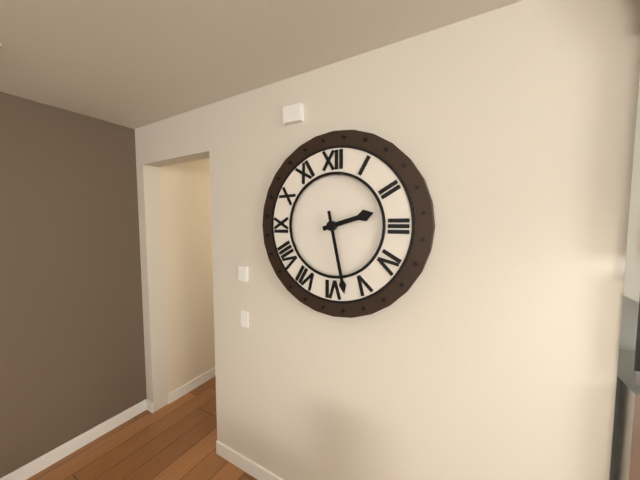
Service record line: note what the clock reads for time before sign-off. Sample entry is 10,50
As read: 2,28
